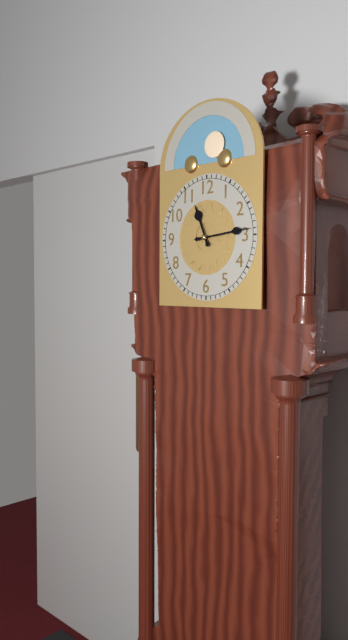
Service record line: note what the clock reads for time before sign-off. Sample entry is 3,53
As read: 11,14
